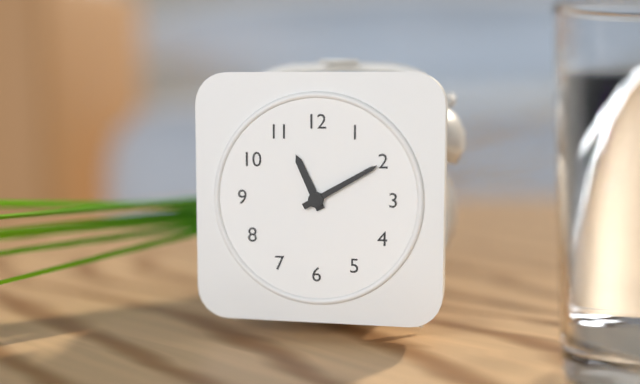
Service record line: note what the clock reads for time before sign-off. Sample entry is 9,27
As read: 11,10
